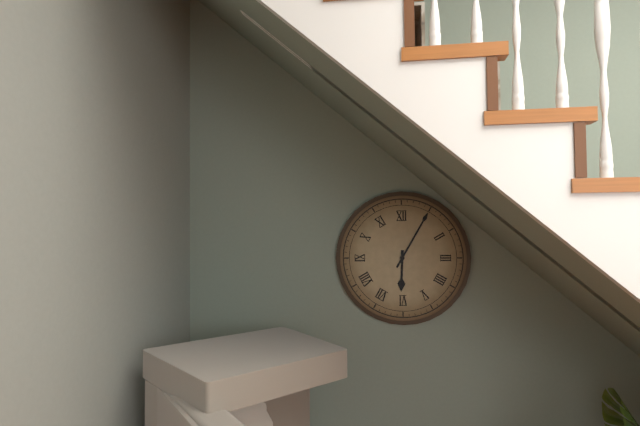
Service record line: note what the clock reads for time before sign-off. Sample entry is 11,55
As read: 6,05
